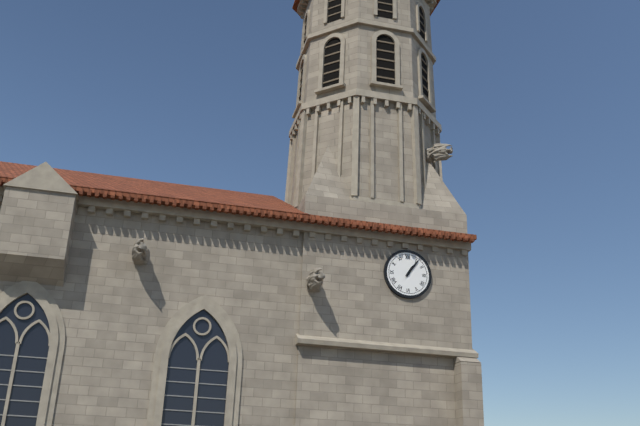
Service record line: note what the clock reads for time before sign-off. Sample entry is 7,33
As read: 1,06
